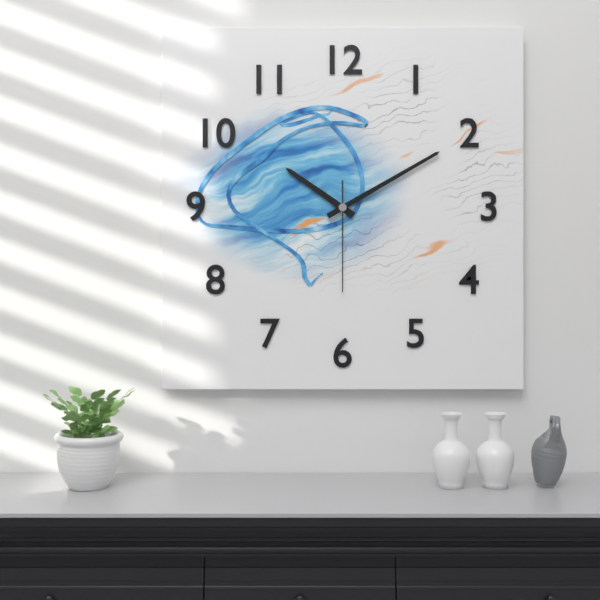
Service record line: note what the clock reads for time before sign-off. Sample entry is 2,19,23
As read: 10,10,30
